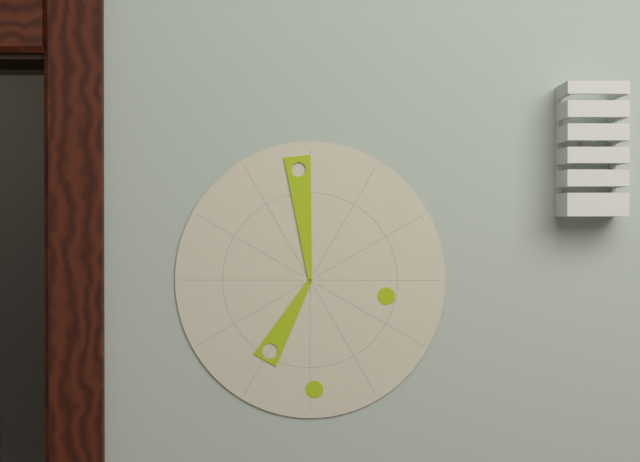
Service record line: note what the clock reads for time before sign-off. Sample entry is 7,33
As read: 6,59
